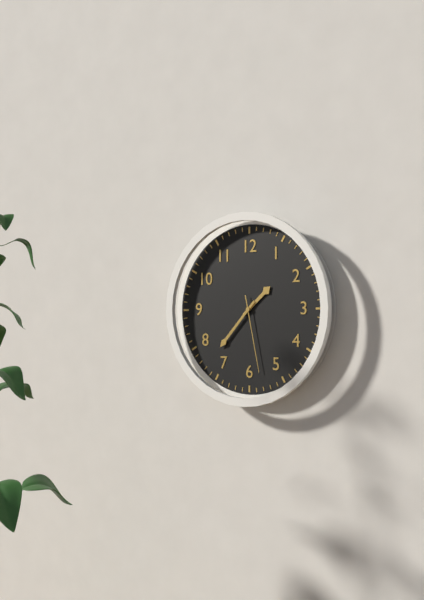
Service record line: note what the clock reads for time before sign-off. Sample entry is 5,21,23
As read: 1,37,28
